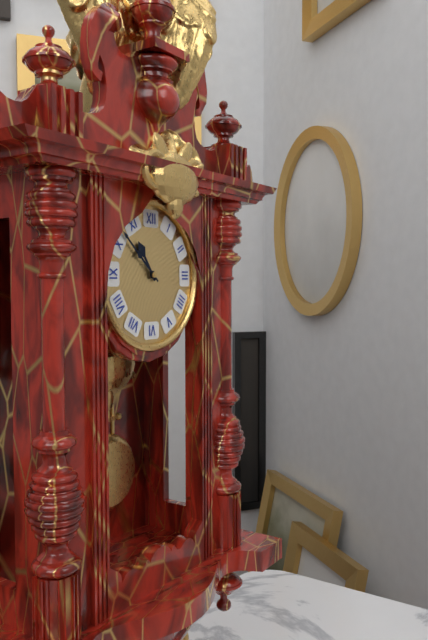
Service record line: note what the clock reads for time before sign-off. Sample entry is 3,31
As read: 10,52
